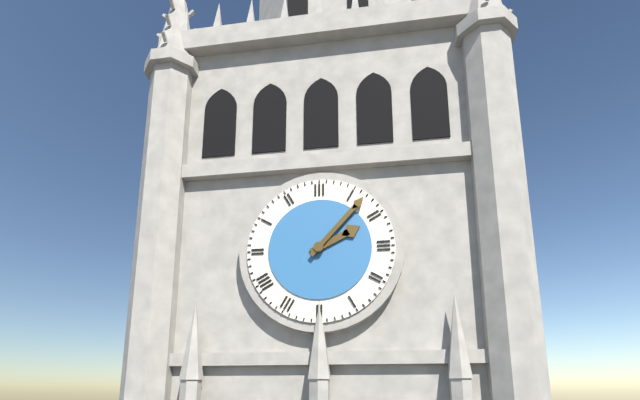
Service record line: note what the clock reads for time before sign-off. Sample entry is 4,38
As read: 2,07
